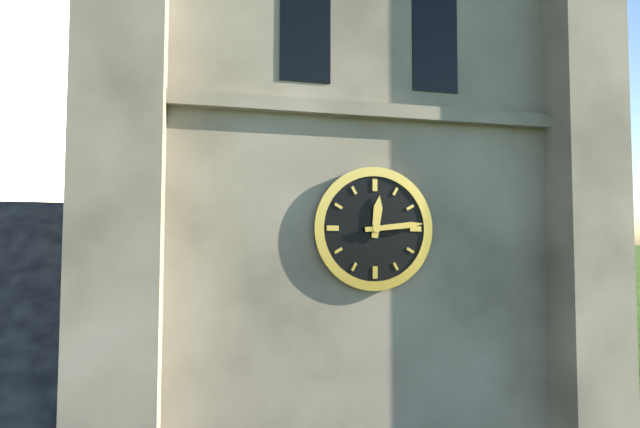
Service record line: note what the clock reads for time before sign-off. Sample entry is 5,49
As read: 12,14
